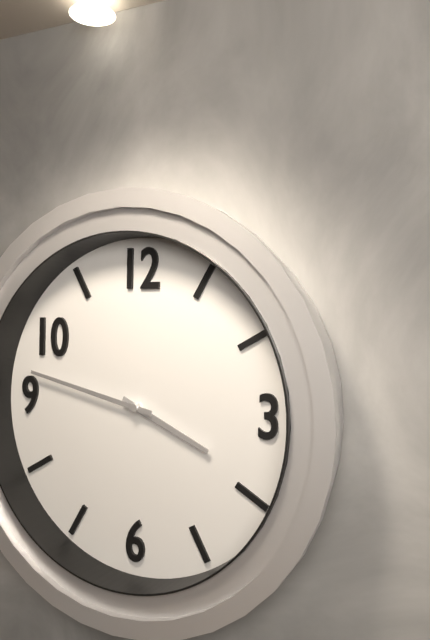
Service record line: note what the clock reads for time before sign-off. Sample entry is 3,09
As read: 3,47
